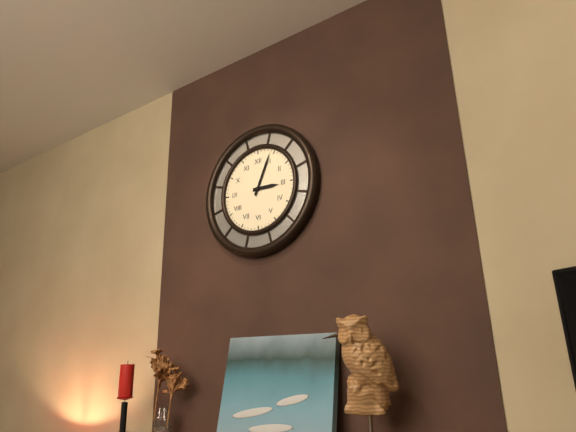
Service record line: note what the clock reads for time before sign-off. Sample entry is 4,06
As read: 3,04
